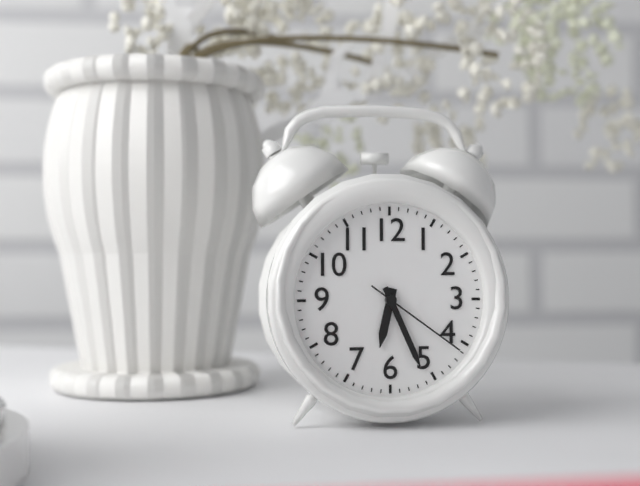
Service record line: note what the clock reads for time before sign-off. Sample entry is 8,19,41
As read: 6,26,21
